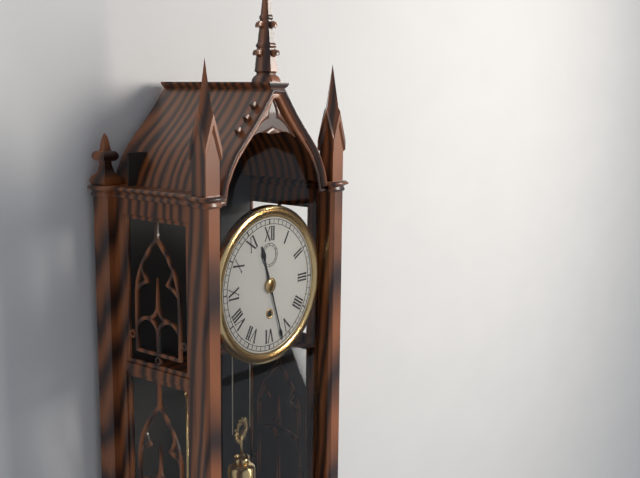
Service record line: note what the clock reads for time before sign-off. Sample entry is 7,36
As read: 11,27
